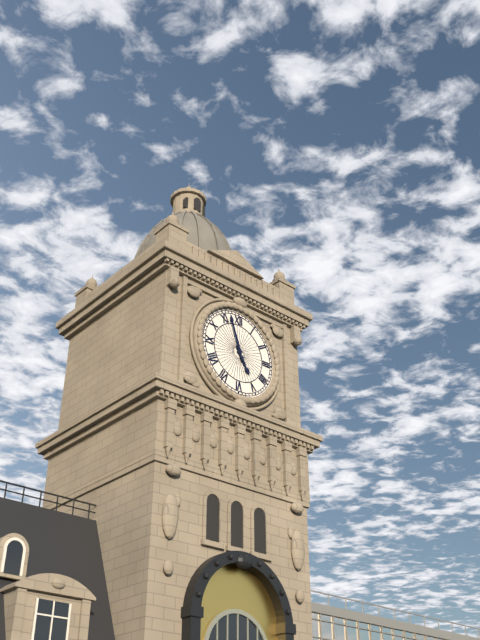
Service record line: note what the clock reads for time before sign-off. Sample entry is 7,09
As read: 4,57
